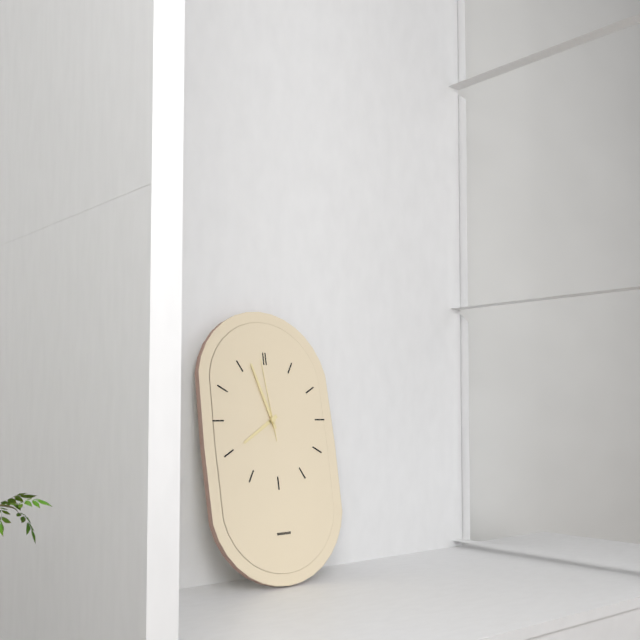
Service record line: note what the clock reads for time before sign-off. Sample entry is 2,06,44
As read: 7,57,59
